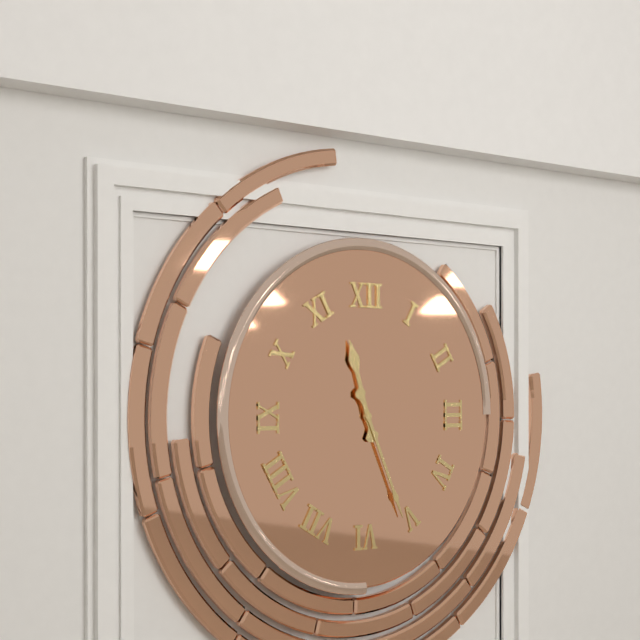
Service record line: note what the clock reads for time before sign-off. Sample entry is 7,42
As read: 11,26
